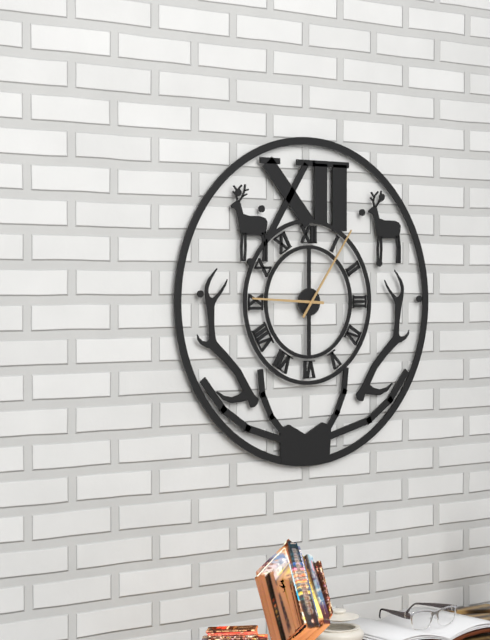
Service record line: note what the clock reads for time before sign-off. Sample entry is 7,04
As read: 9,06
